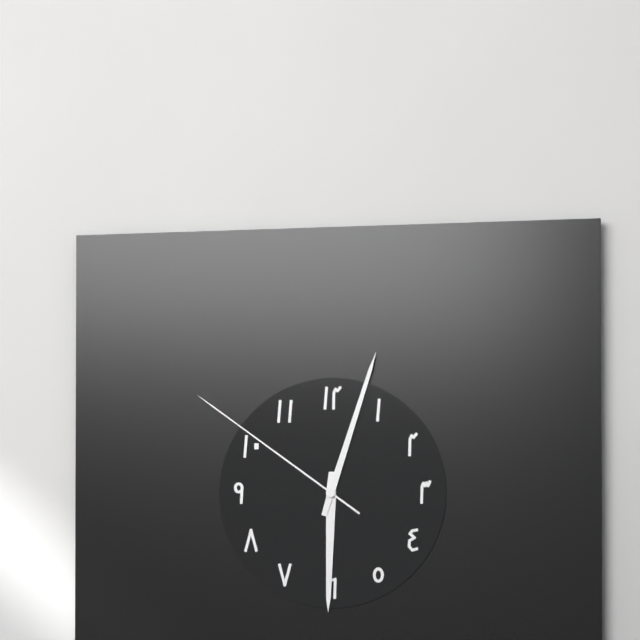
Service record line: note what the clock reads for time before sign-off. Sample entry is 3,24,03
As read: 6,03,51
